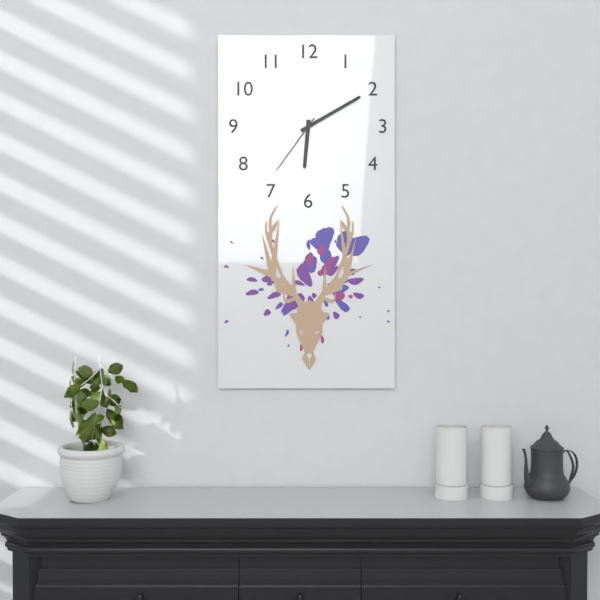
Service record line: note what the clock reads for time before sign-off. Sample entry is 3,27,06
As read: 6,10,36
